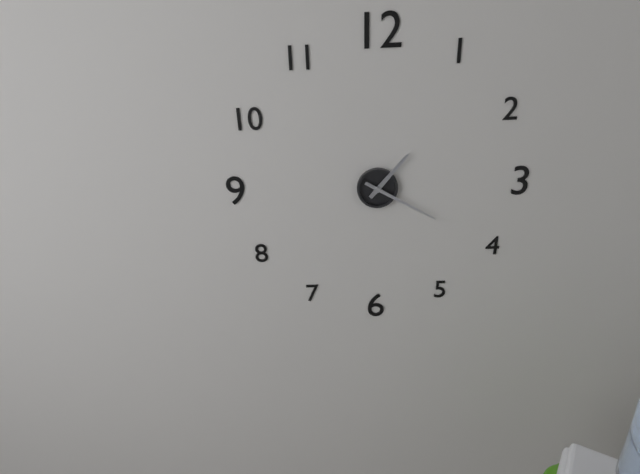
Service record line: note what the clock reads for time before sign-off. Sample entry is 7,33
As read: 1,20
